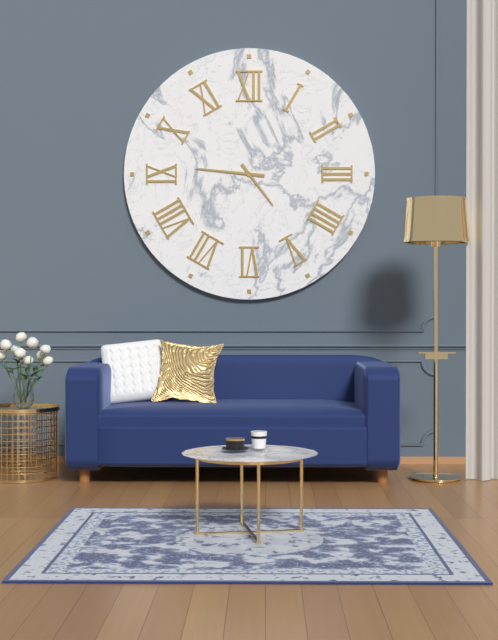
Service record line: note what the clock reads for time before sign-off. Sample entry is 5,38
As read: 4,46
